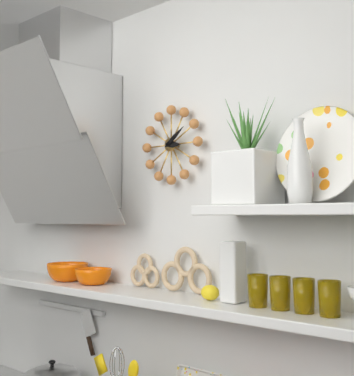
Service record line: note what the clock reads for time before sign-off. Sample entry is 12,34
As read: 3,09
